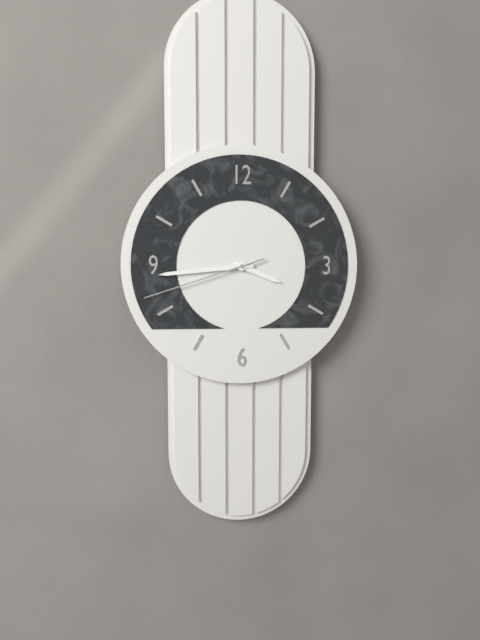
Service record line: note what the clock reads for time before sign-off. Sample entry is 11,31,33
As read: 3,44,42
